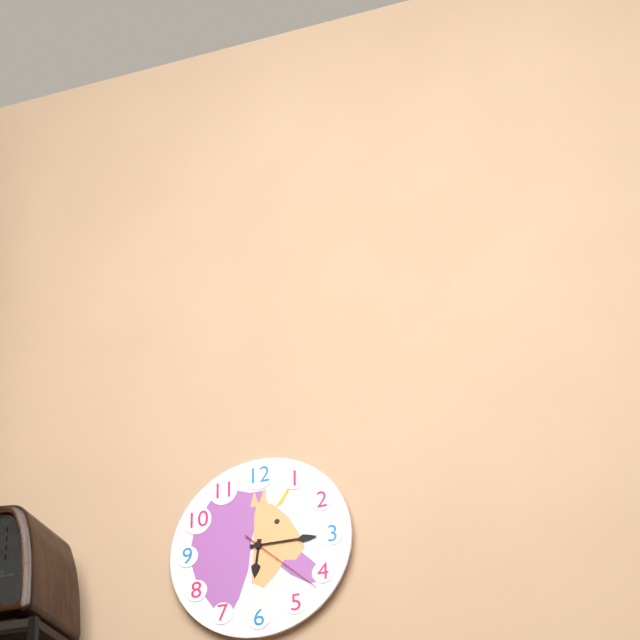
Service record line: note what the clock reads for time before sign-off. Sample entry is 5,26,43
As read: 6,15,22
